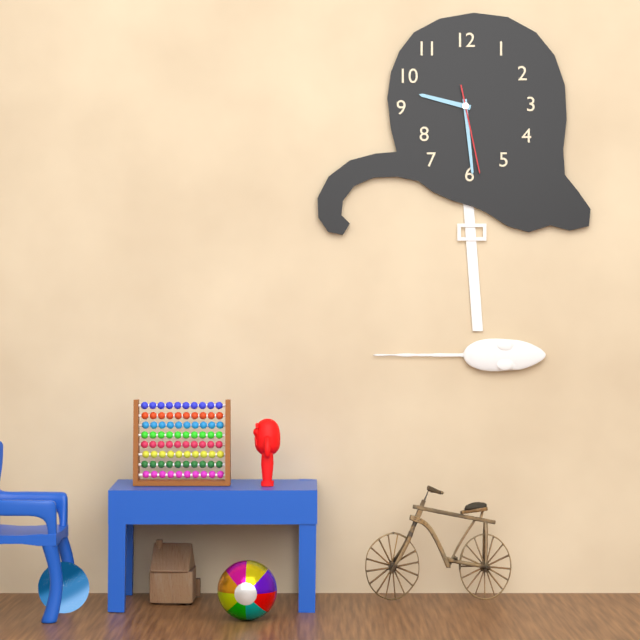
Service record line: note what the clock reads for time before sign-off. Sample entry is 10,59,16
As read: 9,29,28
